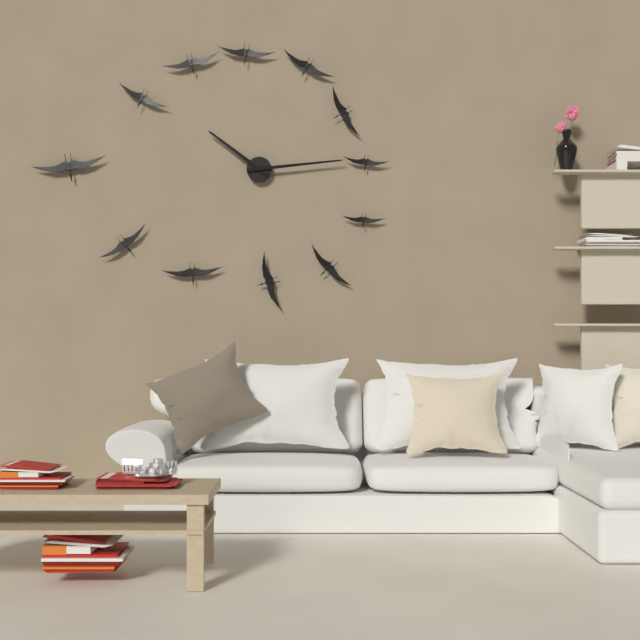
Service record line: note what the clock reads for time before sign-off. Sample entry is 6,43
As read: 10,14
